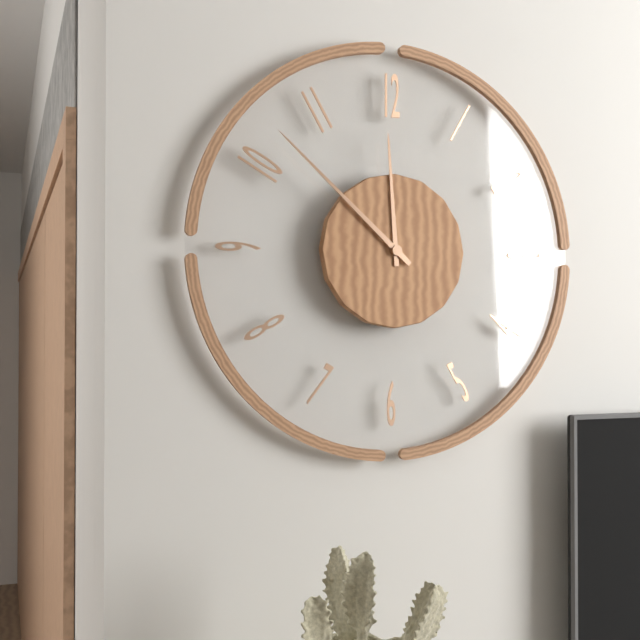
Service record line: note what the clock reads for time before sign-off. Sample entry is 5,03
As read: 11,52
